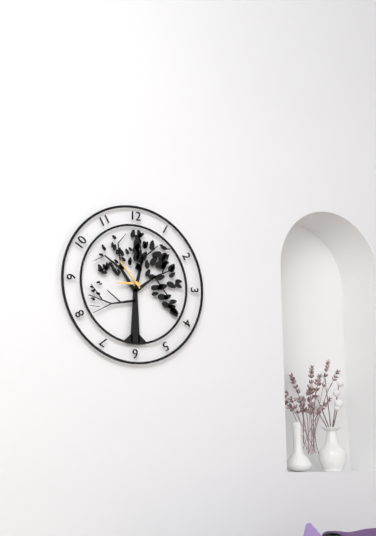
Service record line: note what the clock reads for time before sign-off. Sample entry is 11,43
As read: 8,53
